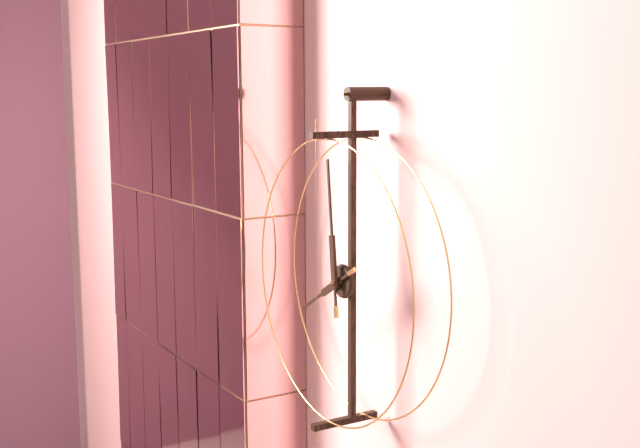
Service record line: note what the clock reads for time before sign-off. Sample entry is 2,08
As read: 7,59
